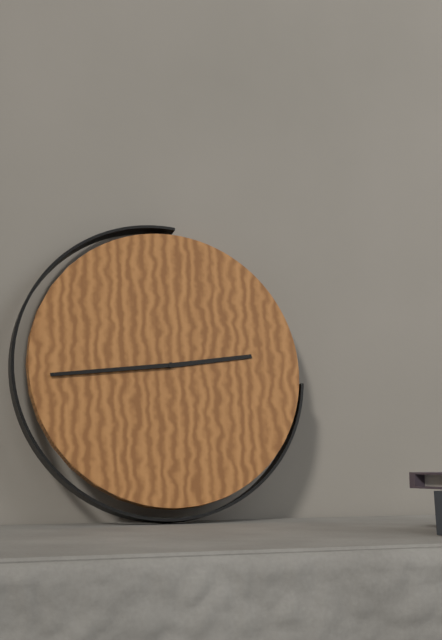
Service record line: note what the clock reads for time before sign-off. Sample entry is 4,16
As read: 2,44
